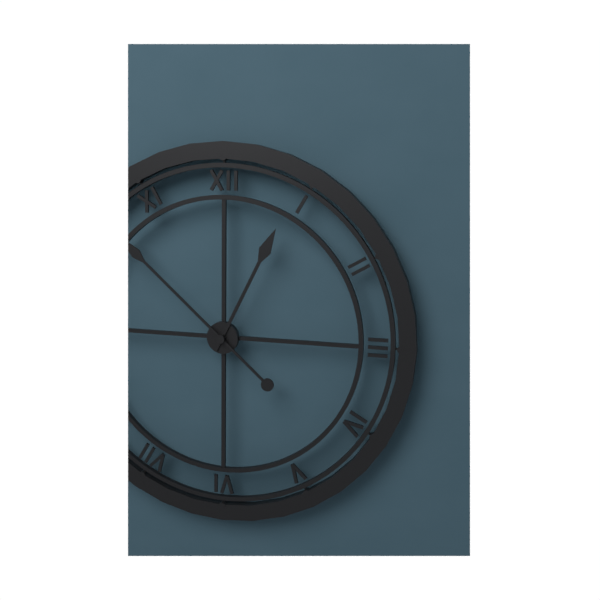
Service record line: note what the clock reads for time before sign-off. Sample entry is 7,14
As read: 12,52
